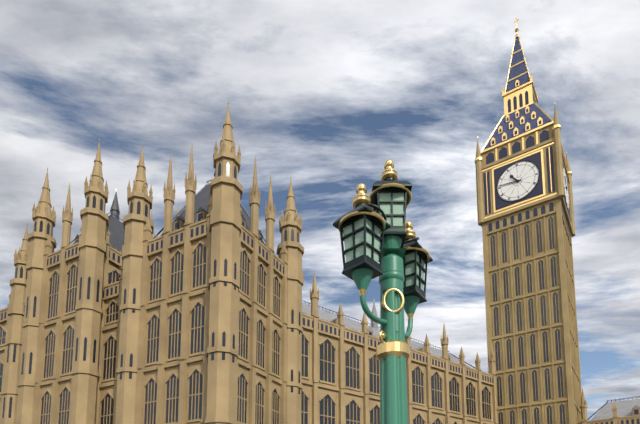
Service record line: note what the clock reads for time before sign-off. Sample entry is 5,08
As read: 10,46
